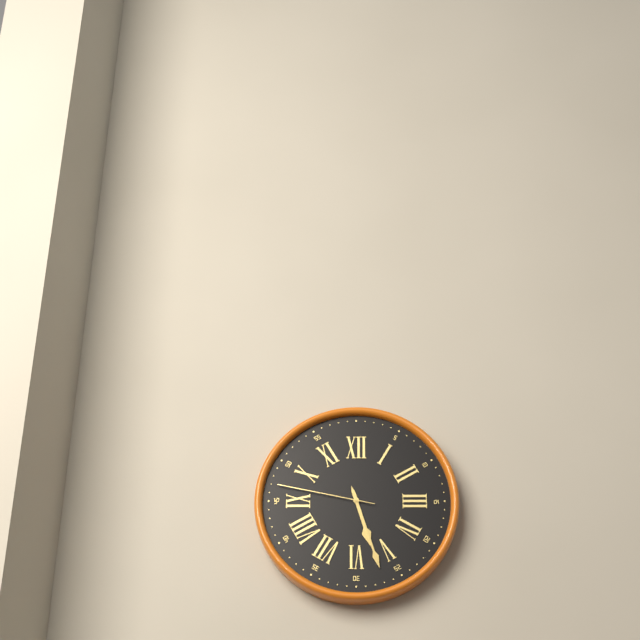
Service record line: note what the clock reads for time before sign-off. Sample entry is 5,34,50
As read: 5,27,47
